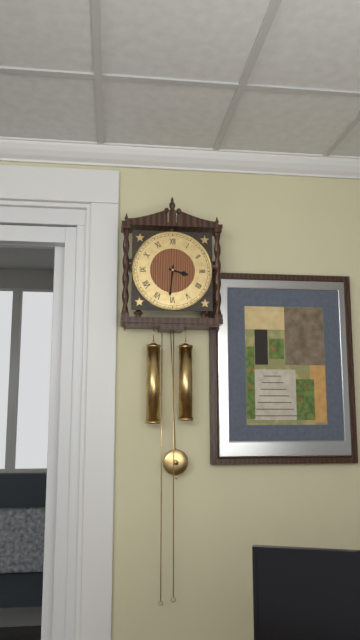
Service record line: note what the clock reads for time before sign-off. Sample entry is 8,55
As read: 3,31
